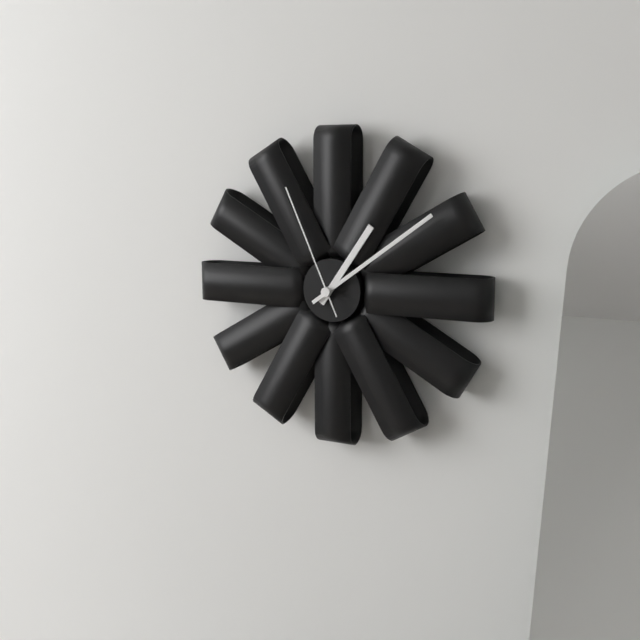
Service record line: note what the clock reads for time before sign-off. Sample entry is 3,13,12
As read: 1,09,56
